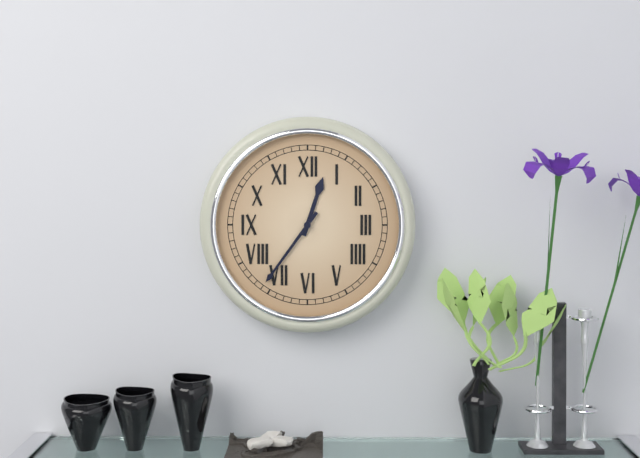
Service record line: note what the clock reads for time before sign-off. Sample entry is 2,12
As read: 12,36
